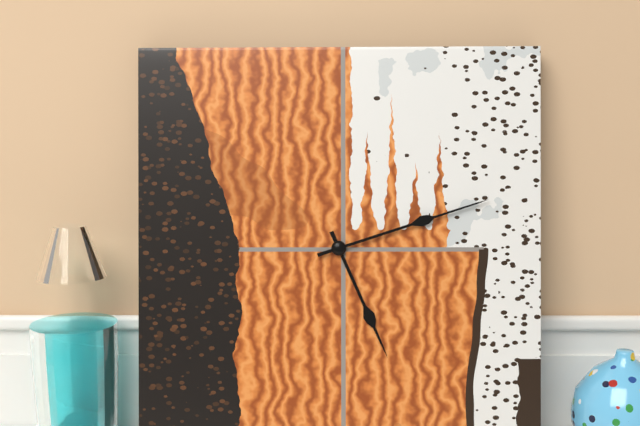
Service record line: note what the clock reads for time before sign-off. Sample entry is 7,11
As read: 5,12
